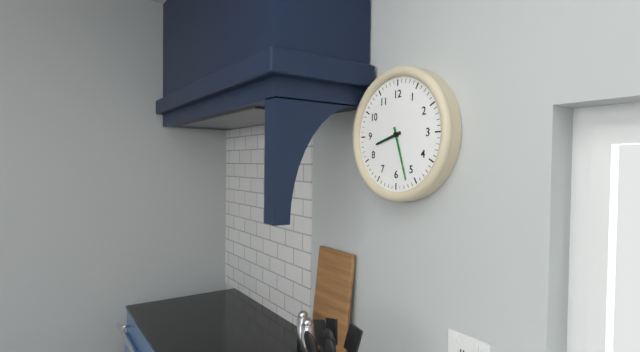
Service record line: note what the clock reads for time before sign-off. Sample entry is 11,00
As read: 8,27
